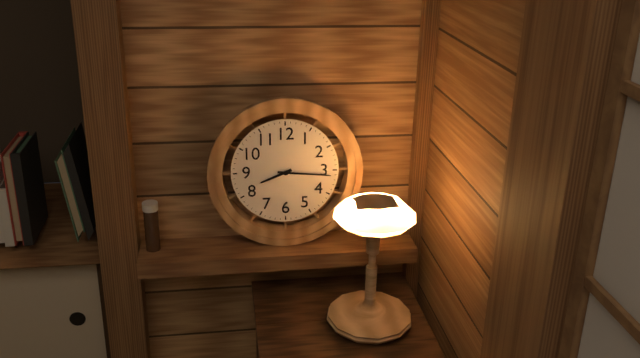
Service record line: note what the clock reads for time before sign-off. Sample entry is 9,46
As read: 8,16
